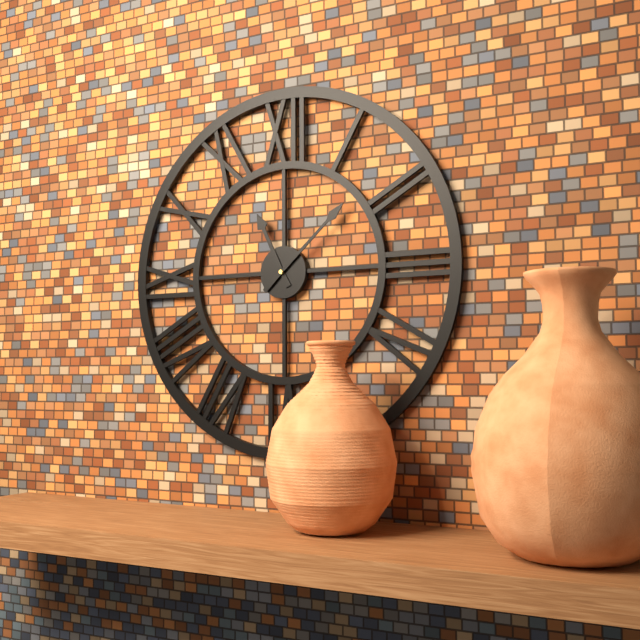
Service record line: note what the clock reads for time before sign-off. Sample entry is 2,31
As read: 11,08
